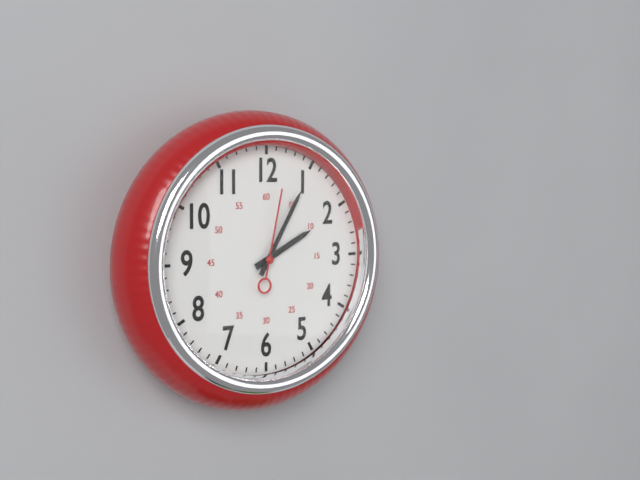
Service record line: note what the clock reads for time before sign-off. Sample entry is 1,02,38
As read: 2,05,02
